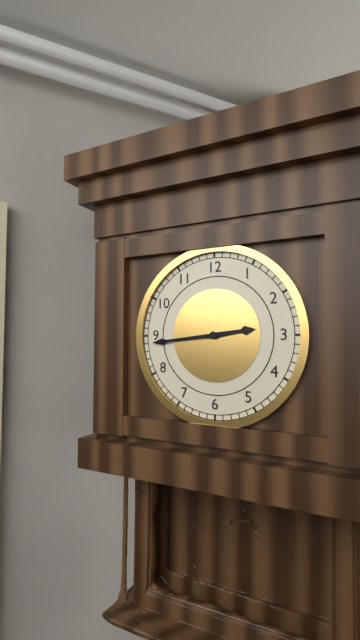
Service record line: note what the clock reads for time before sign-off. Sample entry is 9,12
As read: 2,44
